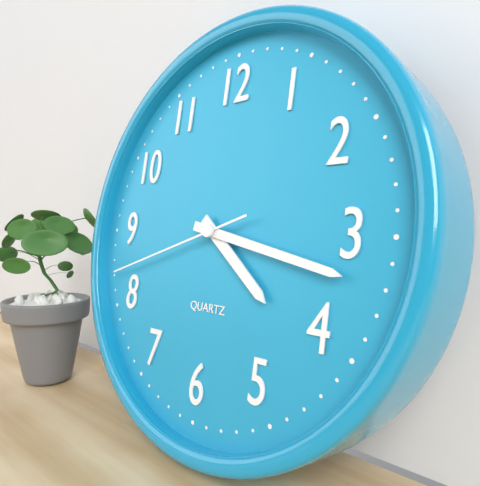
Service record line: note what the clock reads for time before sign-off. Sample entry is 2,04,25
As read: 4,17,42
